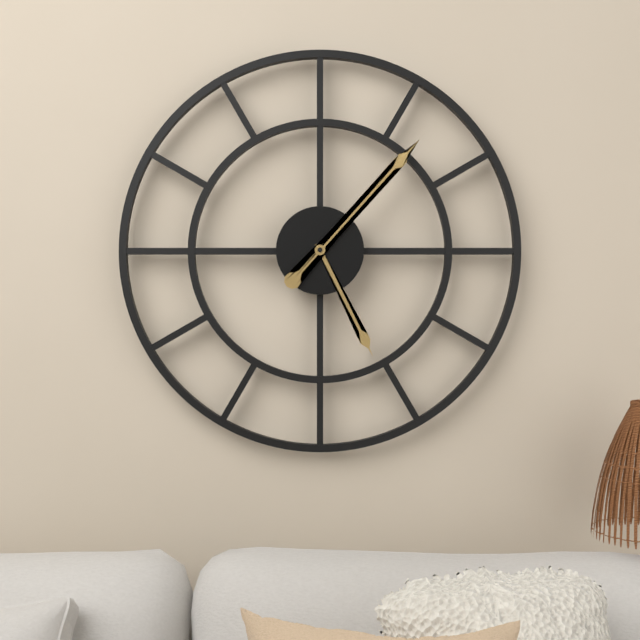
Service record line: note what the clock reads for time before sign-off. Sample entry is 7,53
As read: 5,07
